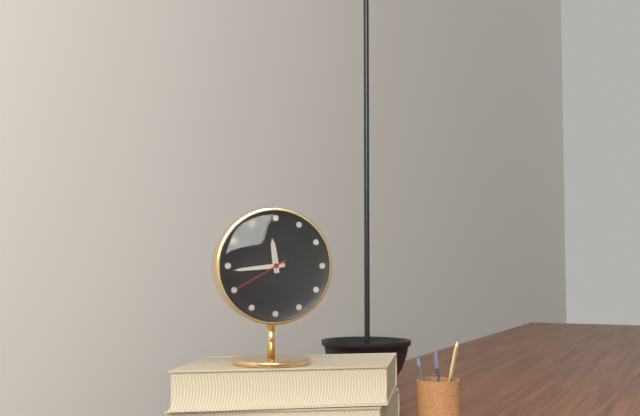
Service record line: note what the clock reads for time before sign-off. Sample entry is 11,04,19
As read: 11,44,40
